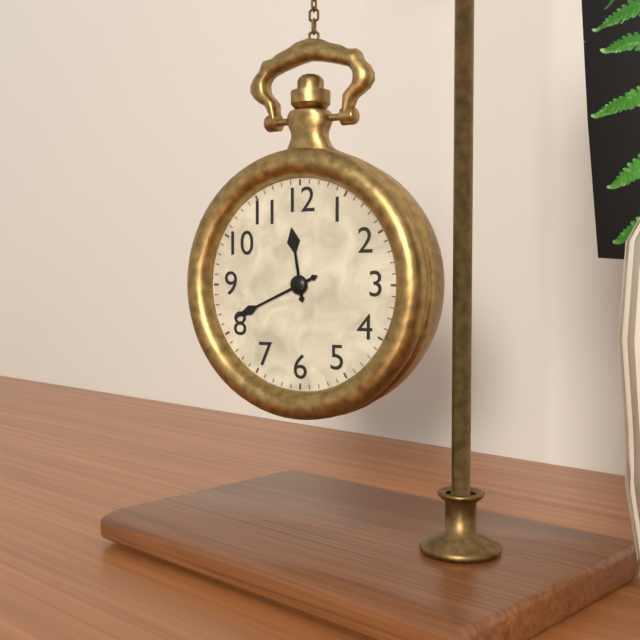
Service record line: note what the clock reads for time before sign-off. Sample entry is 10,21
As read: 11,41
